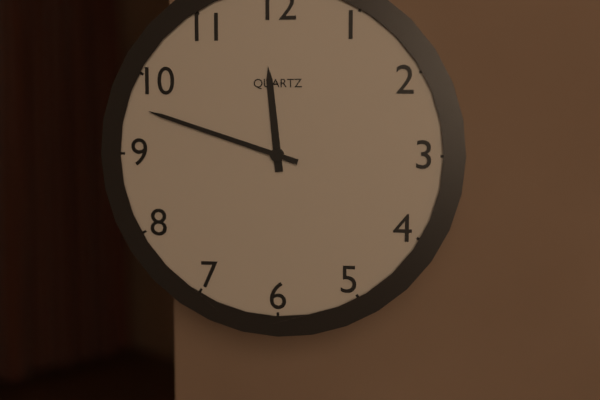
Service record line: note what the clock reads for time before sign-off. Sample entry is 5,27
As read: 11,48
